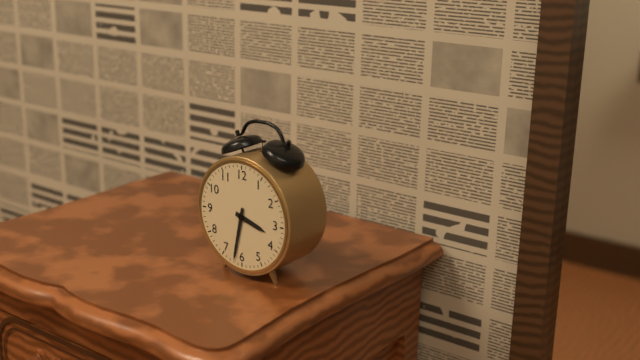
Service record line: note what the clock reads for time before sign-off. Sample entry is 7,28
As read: 3,32
